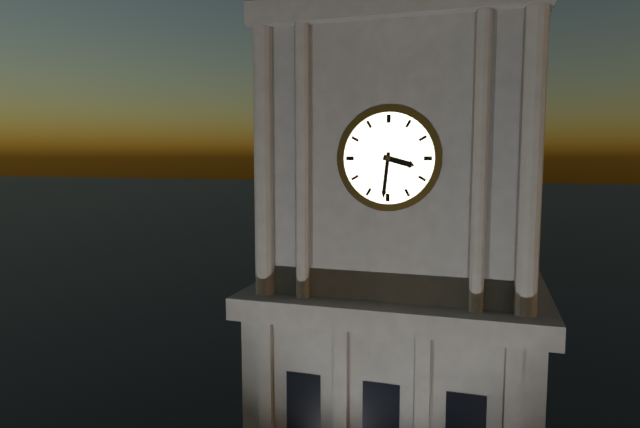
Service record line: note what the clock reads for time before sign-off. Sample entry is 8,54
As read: 3,31
